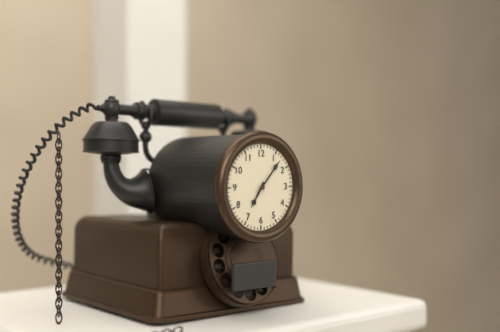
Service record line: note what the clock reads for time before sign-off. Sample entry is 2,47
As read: 7,07
